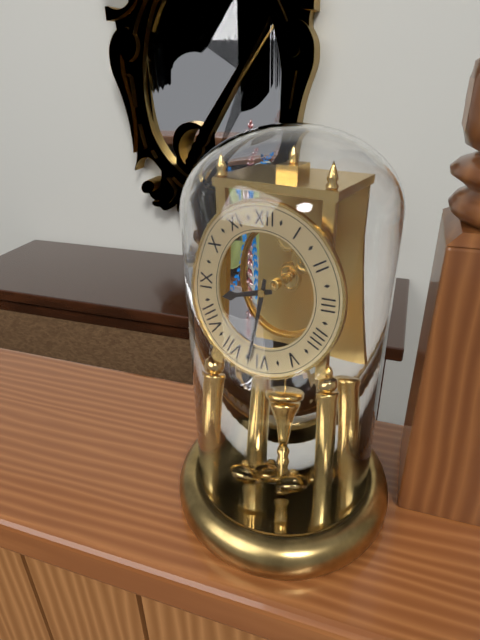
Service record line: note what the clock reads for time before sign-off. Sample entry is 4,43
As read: 8,32
